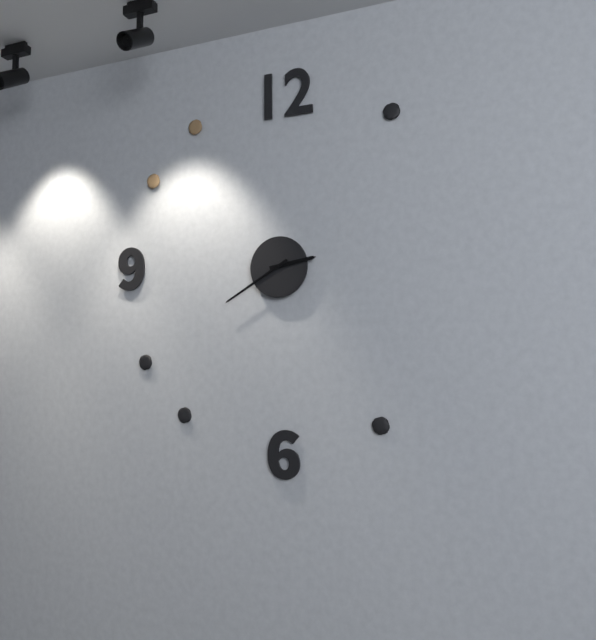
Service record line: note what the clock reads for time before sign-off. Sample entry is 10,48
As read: 2,40
